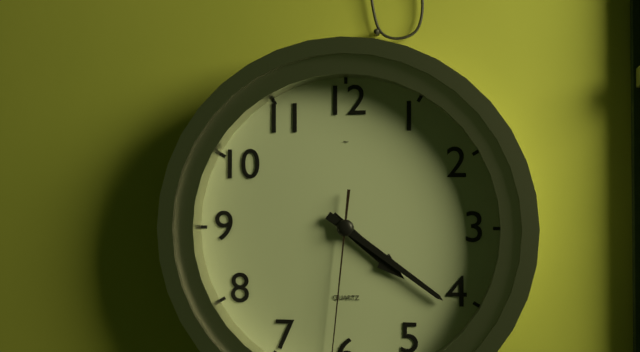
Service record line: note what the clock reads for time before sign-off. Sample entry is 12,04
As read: 4,21
